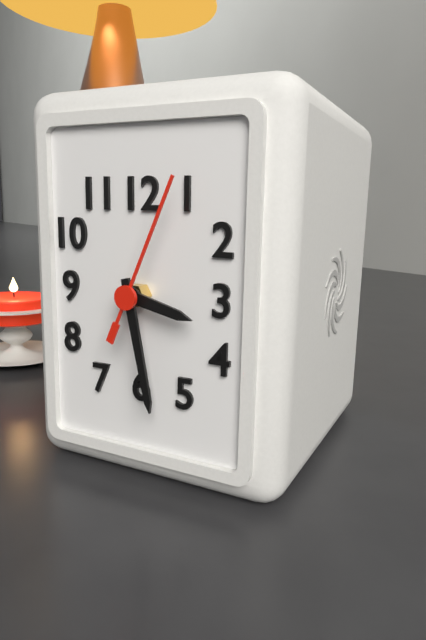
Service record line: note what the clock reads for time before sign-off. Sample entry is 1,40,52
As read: 3,28,04
